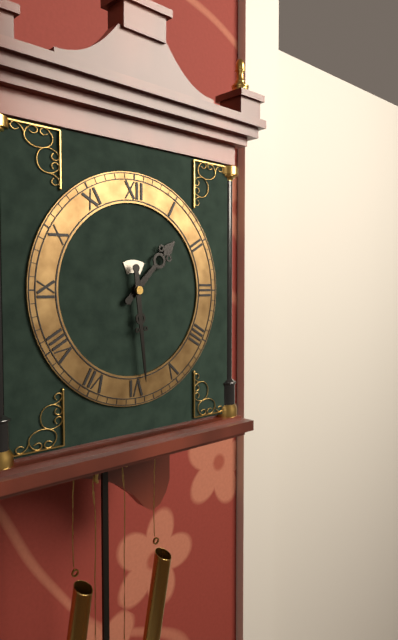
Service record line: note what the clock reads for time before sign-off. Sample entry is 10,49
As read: 1,29
